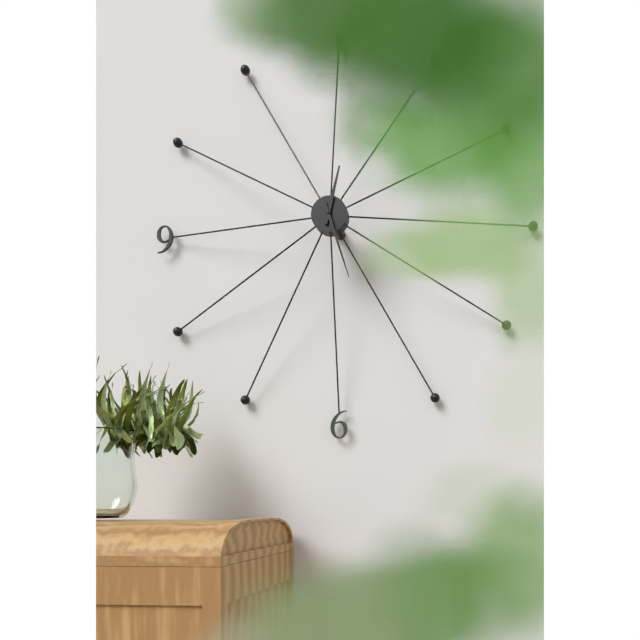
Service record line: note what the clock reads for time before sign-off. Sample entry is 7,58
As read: 12,27
